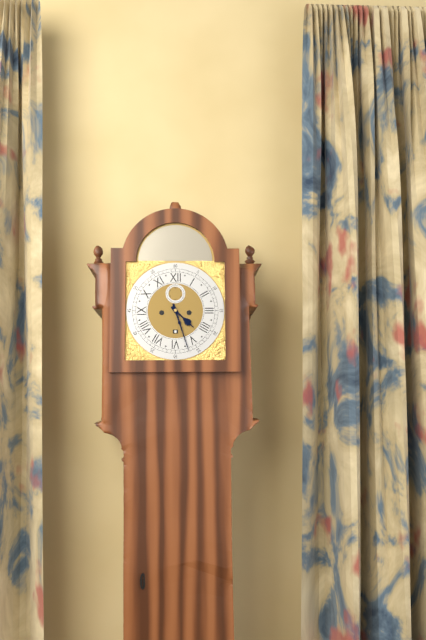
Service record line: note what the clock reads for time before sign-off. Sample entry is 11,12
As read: 4,27
